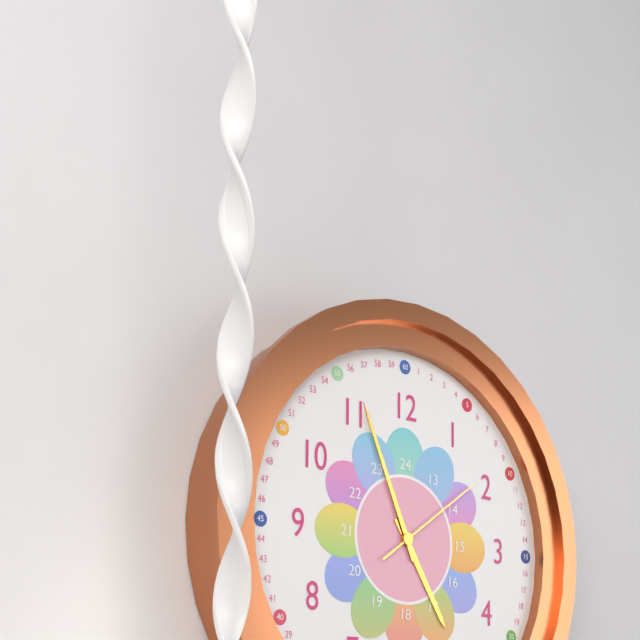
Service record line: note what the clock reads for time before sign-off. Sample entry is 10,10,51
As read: 4,56,09
